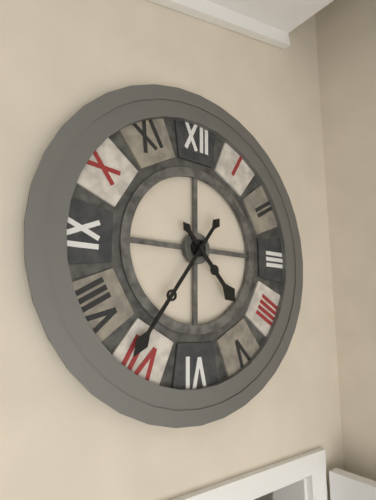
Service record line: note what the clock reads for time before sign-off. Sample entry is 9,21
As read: 4,36
